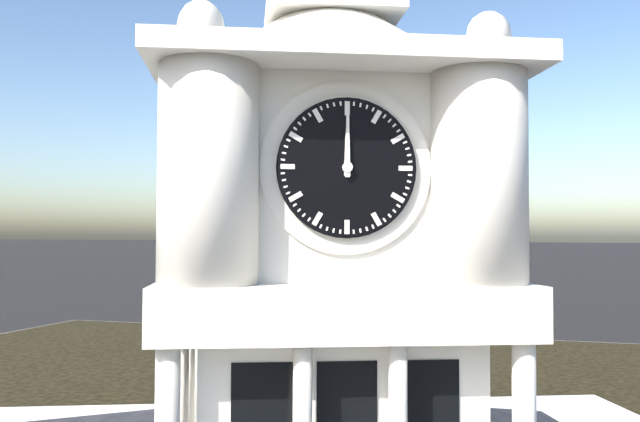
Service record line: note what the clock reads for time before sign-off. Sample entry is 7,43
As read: 12,00
